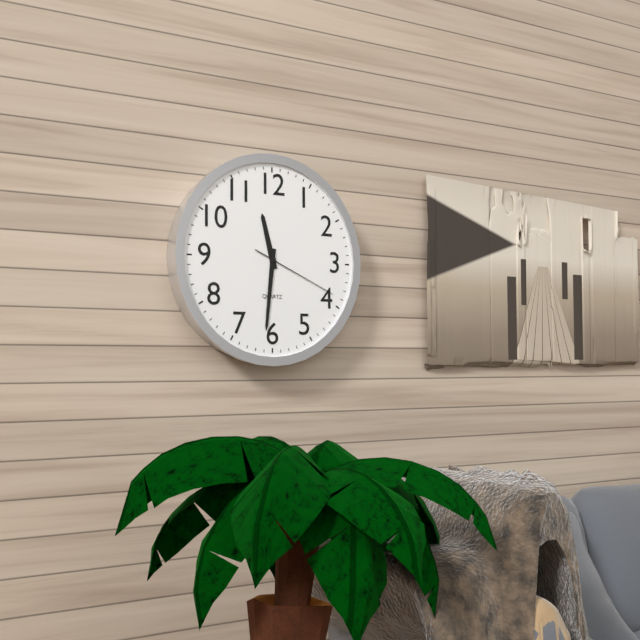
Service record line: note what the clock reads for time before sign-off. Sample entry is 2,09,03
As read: 11,31,19
